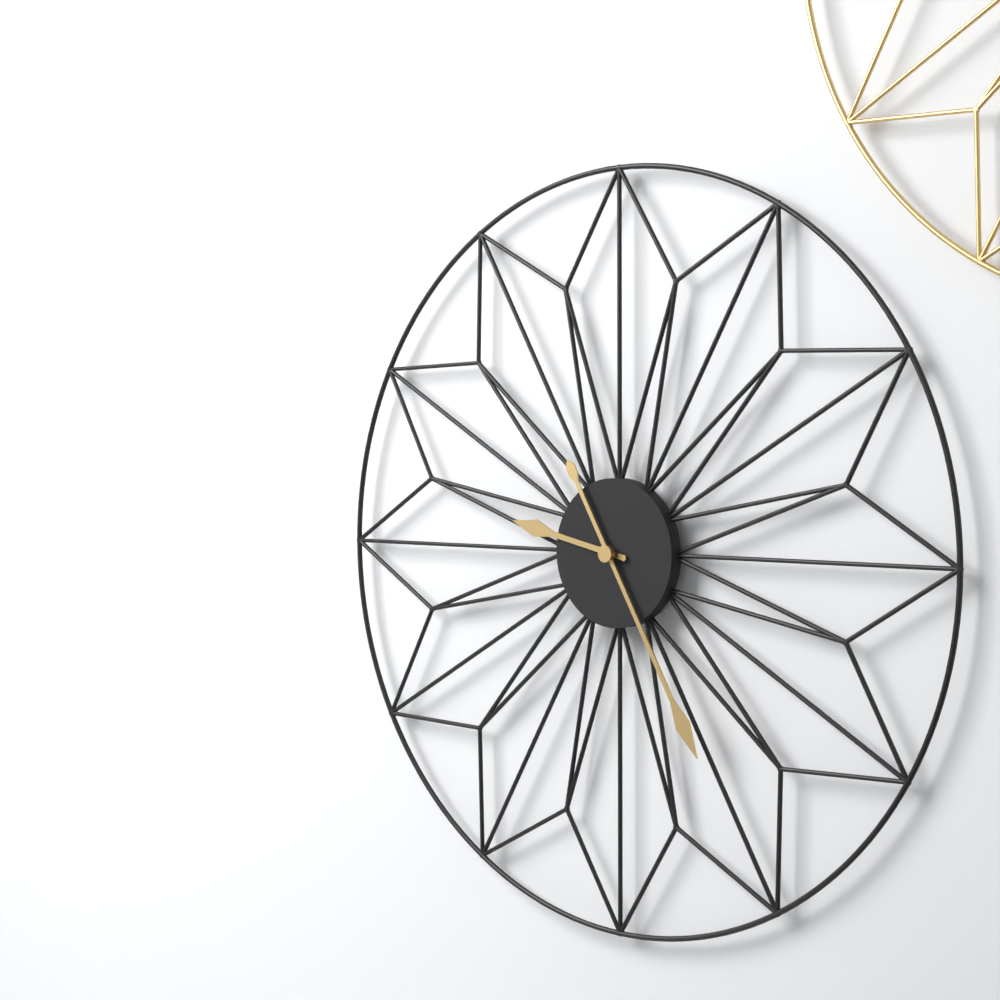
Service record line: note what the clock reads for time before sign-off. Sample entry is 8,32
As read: 9,25
